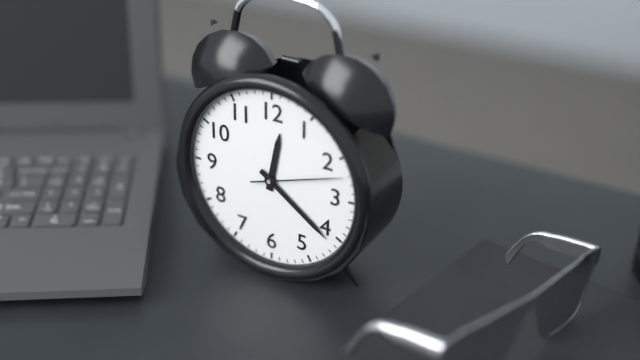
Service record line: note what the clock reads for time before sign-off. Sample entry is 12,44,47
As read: 12,21,12
